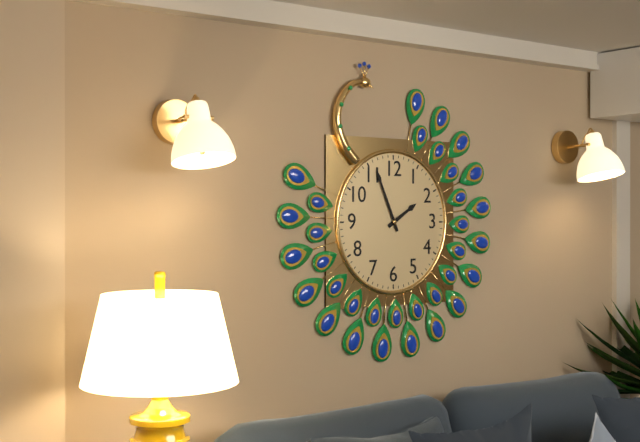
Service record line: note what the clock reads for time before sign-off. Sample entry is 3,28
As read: 1,56
